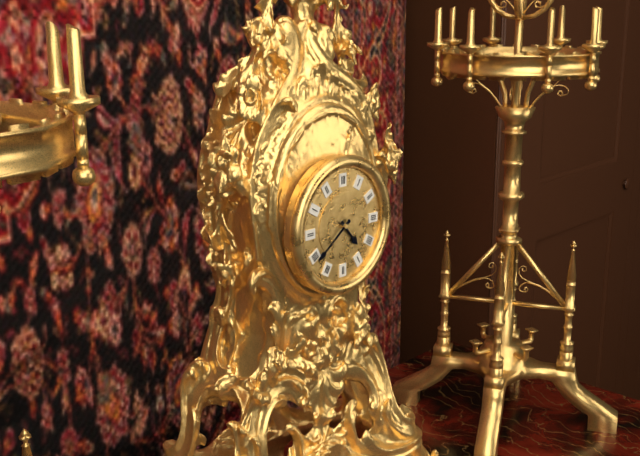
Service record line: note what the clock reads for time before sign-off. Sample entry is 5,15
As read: 4,39
